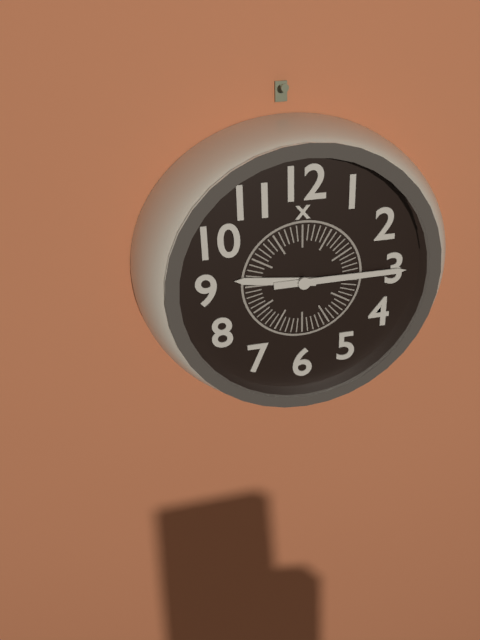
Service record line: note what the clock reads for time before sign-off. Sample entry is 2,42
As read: 9,15
